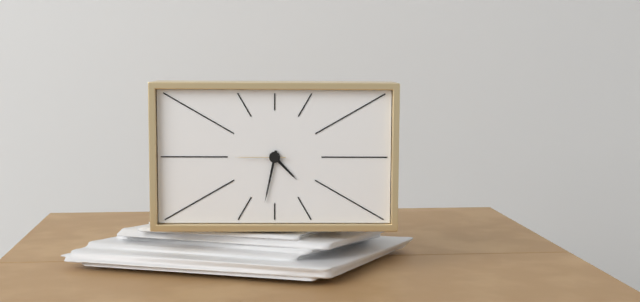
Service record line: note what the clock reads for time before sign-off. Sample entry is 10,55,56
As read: 4,32,45
